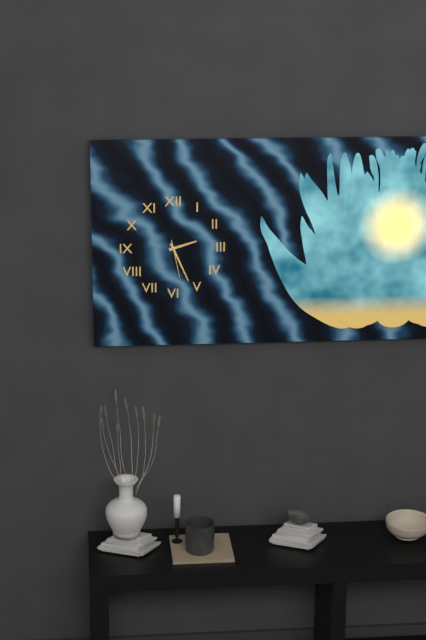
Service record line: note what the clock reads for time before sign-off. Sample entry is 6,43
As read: 2,26
